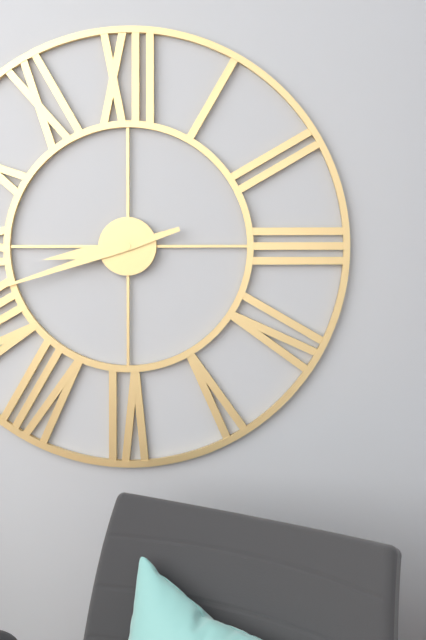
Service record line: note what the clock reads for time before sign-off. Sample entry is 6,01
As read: 8,42
